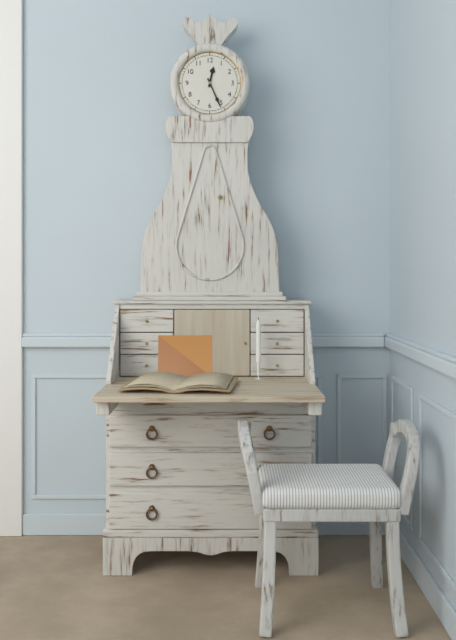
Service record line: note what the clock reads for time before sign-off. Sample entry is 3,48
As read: 12,26
